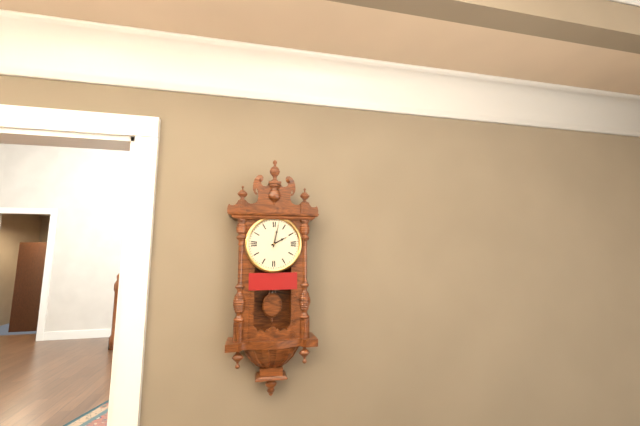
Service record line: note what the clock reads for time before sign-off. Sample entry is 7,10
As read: 2,02
